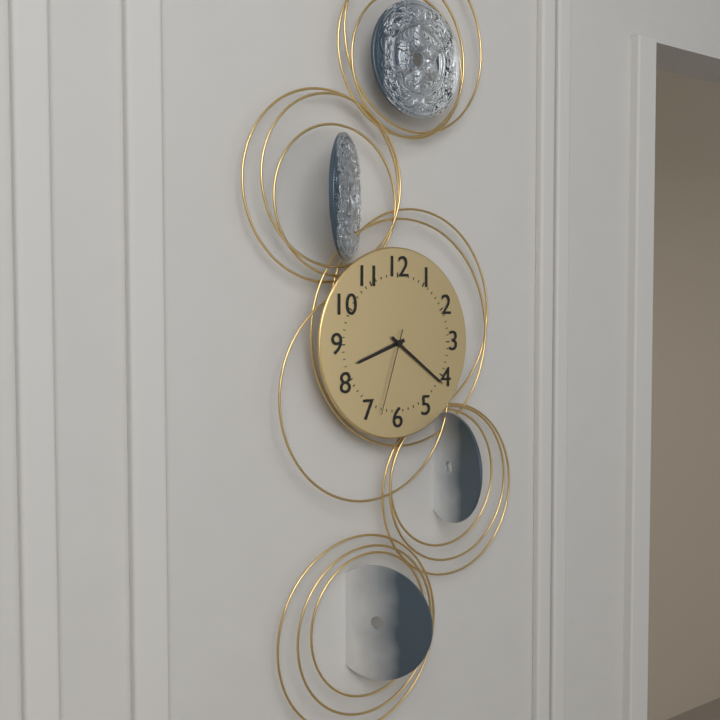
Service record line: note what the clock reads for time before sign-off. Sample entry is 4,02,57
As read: 8,21,33
